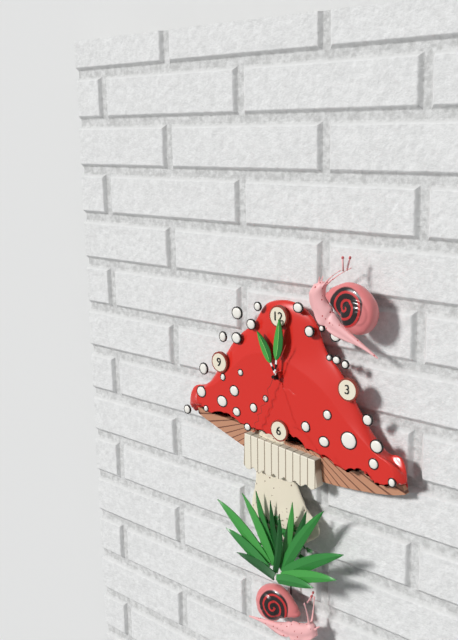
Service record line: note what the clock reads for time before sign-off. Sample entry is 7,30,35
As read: 11,01,34
